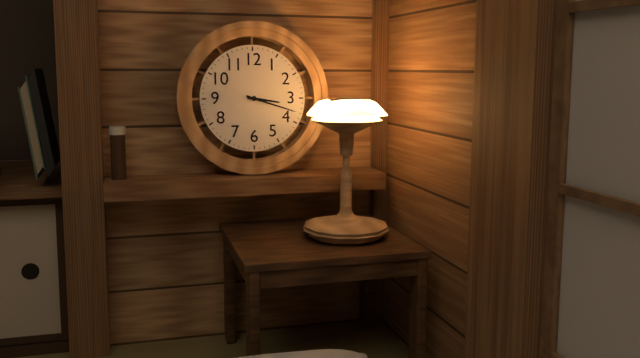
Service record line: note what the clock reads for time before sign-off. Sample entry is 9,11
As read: 3,18
